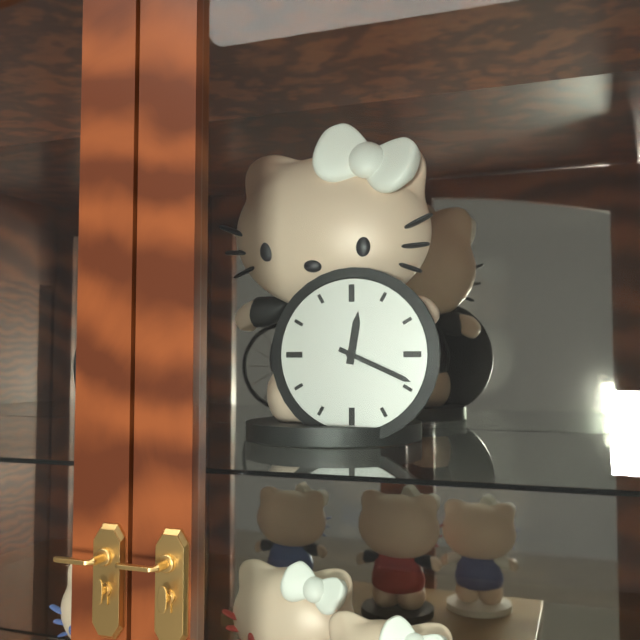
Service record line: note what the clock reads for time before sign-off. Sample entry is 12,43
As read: 12,19
